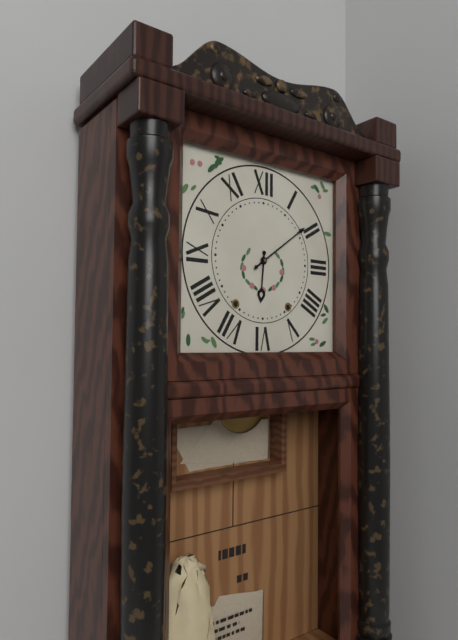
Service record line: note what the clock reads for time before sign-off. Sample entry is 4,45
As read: 6,09
